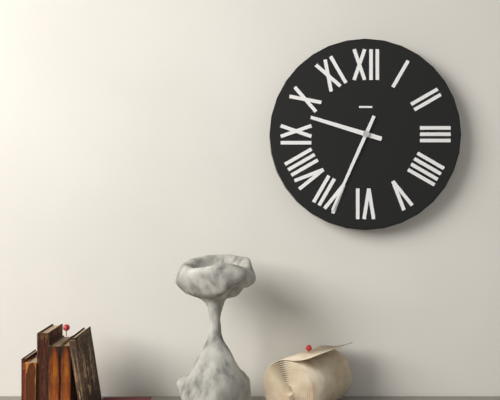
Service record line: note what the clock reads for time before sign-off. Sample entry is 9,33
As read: 9,34
